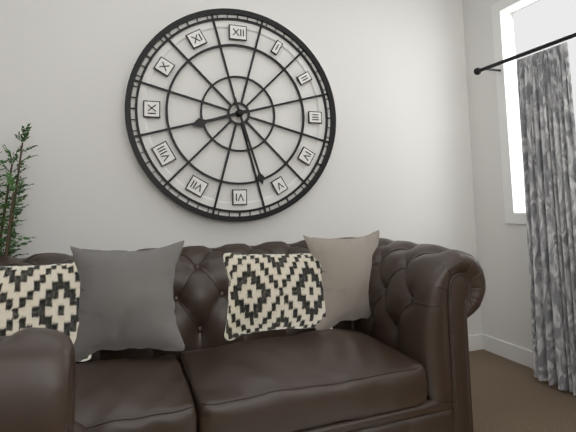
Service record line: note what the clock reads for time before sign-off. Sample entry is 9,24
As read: 8,27
